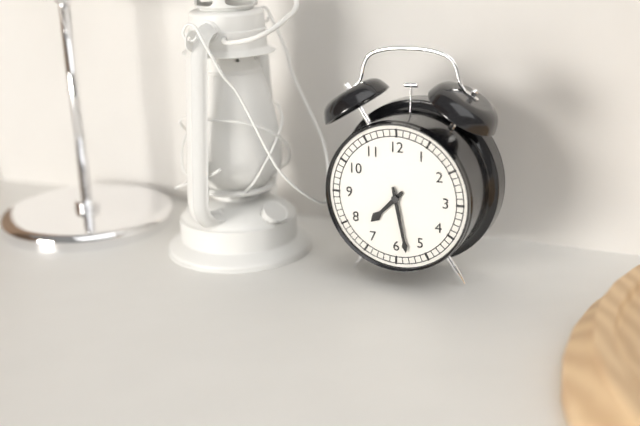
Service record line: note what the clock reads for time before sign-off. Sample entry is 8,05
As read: 7,28
